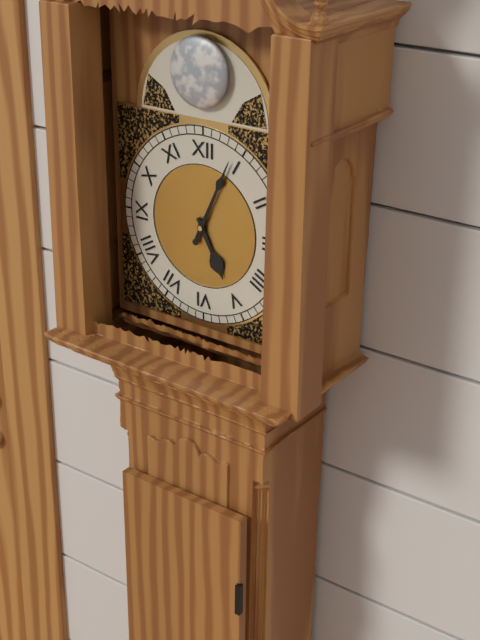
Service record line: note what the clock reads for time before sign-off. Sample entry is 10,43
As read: 5,04
